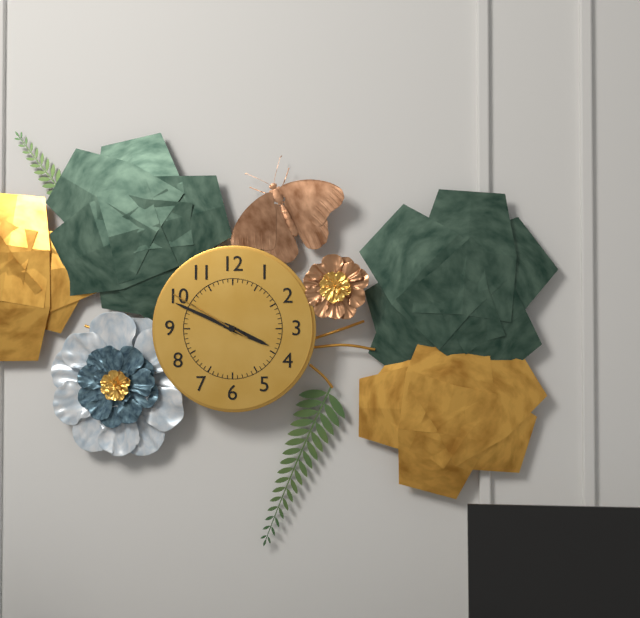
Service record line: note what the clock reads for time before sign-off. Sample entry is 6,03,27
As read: 3,49,50
